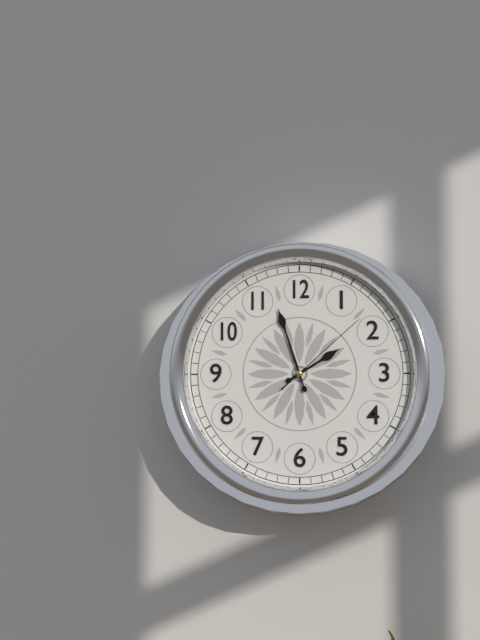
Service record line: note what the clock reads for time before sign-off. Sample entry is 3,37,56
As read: 1,57,08
